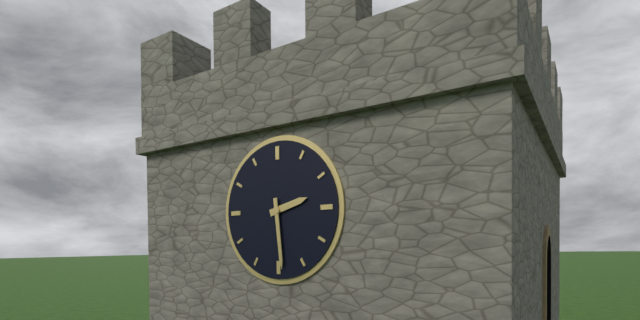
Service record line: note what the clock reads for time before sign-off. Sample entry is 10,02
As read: 2,29
